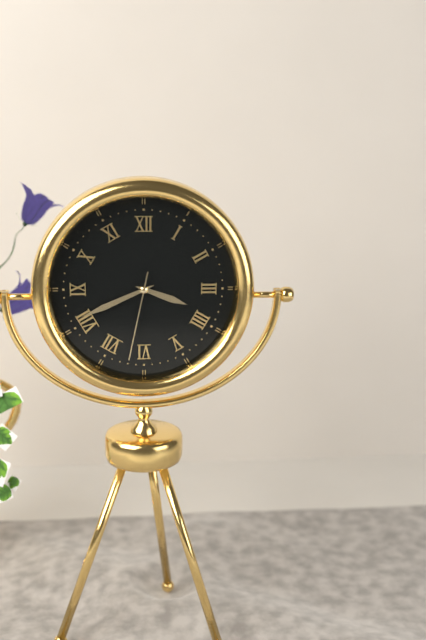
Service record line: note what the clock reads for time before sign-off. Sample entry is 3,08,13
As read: 3,41,32
